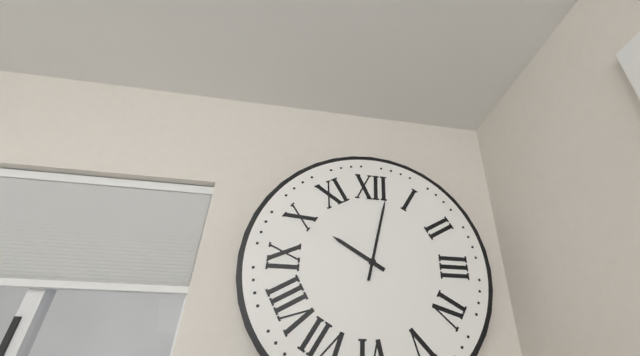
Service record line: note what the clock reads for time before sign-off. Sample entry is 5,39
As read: 10,02
